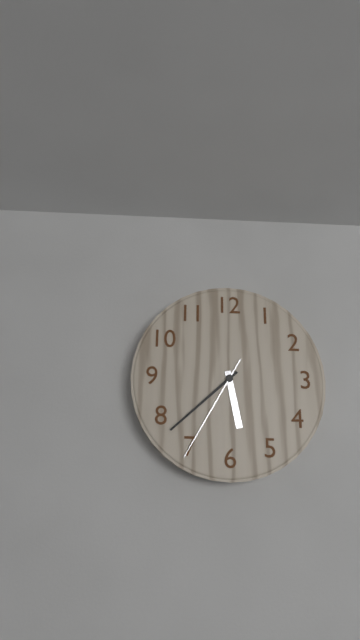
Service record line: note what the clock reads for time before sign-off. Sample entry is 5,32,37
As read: 5,38,35
